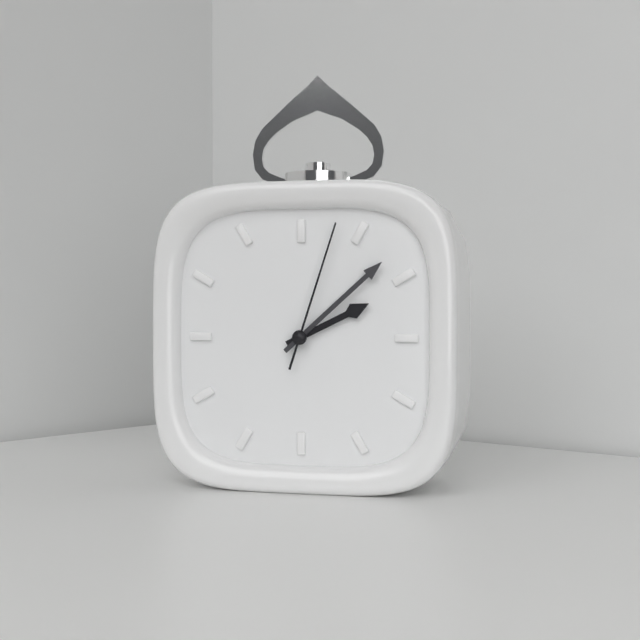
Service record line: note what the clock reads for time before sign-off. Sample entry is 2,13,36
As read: 2,08,03
